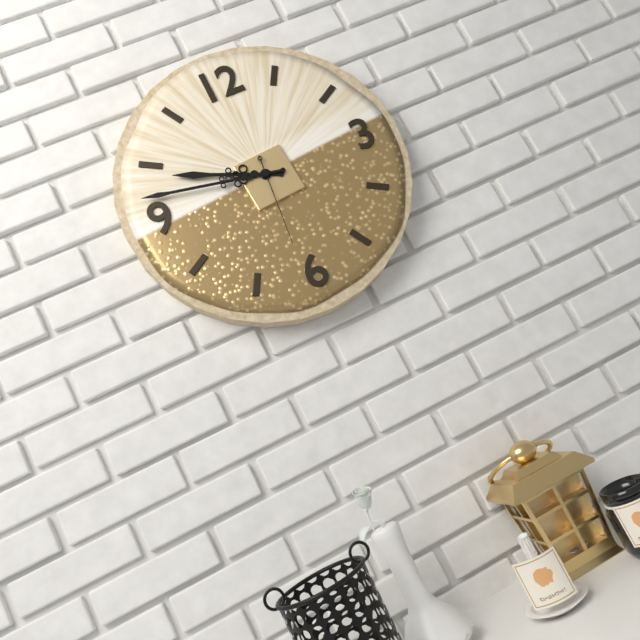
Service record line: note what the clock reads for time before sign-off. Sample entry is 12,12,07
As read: 9,47,31
